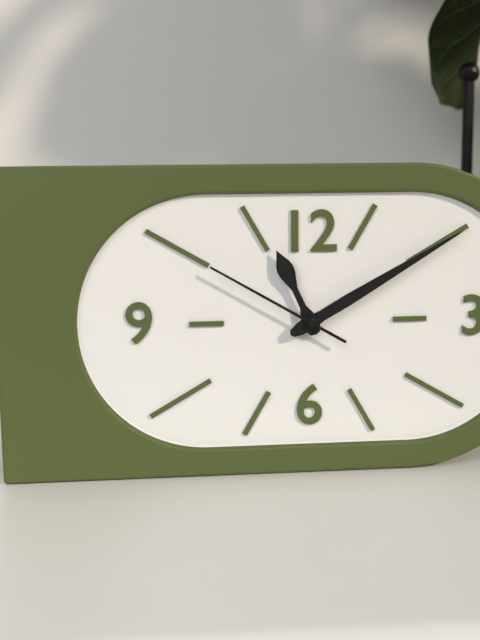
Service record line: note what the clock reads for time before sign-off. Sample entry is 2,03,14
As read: 11,10,50
